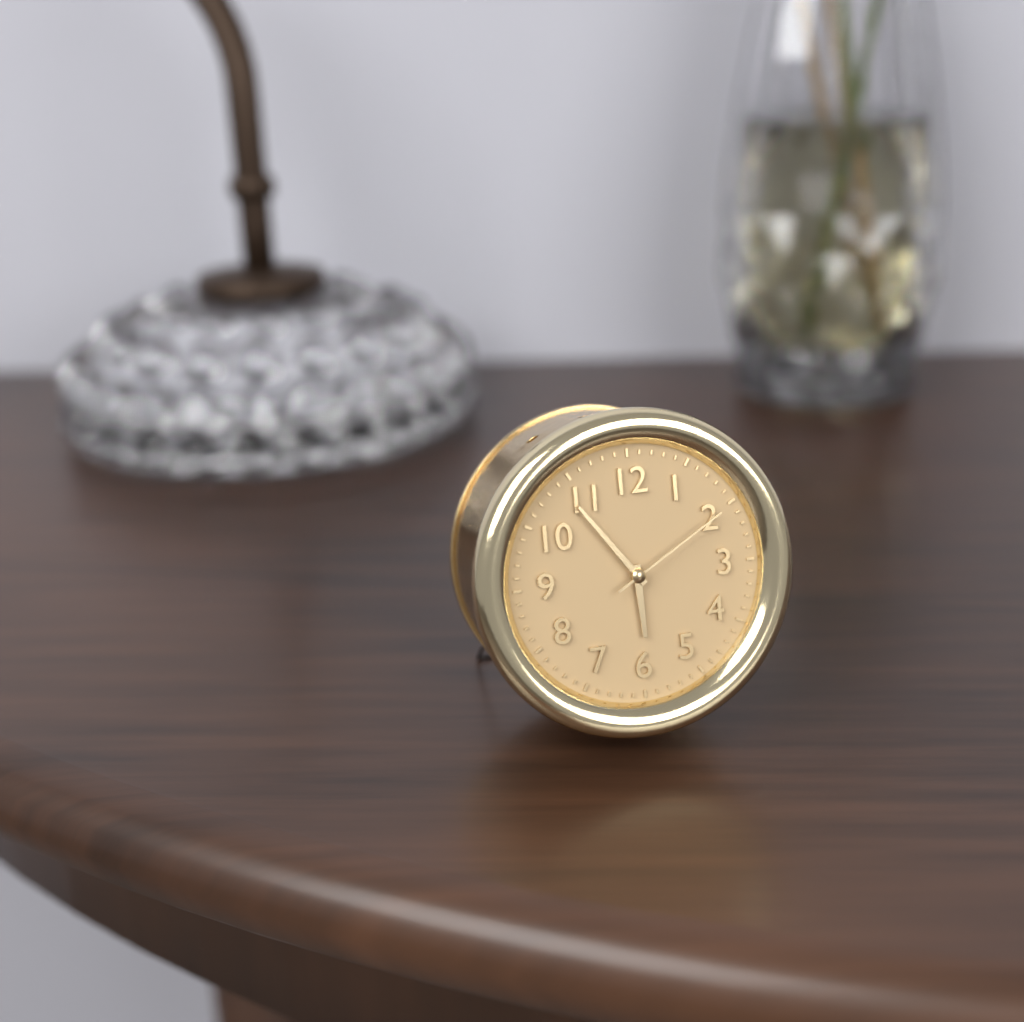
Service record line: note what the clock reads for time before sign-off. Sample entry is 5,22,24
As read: 5,54,10
